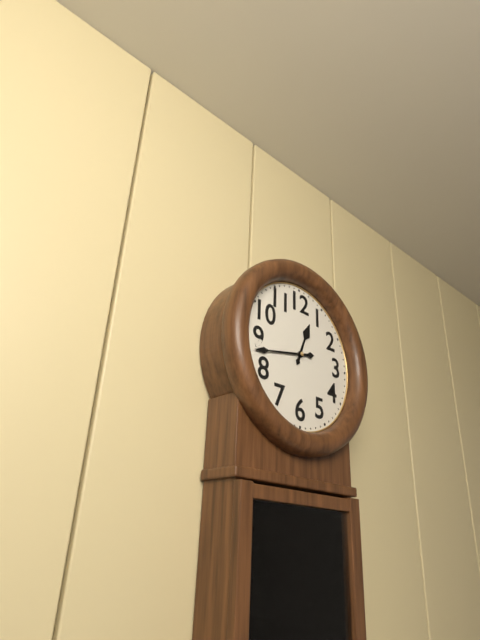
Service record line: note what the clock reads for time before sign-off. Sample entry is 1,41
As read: 12,43
